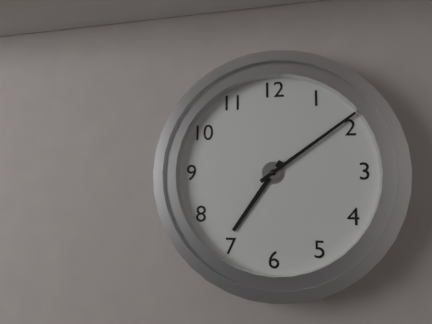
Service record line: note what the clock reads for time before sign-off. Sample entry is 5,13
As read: 7,09
